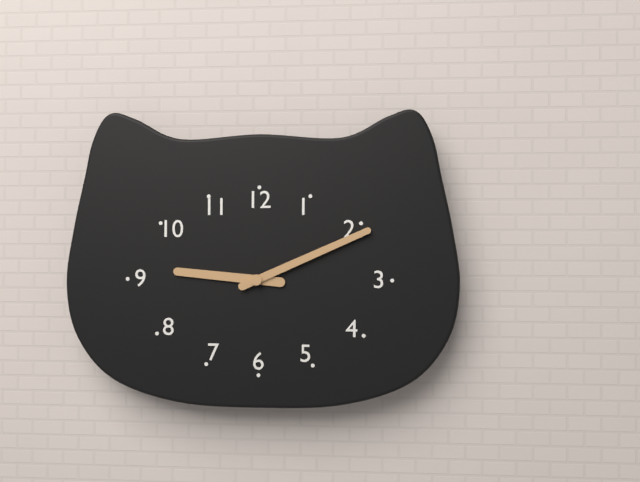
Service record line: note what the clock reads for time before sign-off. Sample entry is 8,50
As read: 9,11
